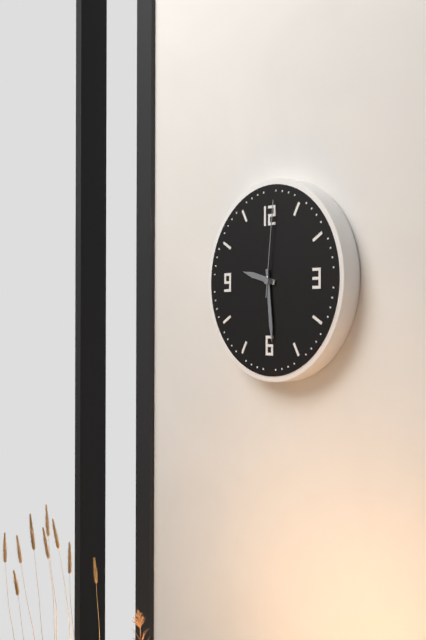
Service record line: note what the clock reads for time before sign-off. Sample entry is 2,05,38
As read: 9,29,01
